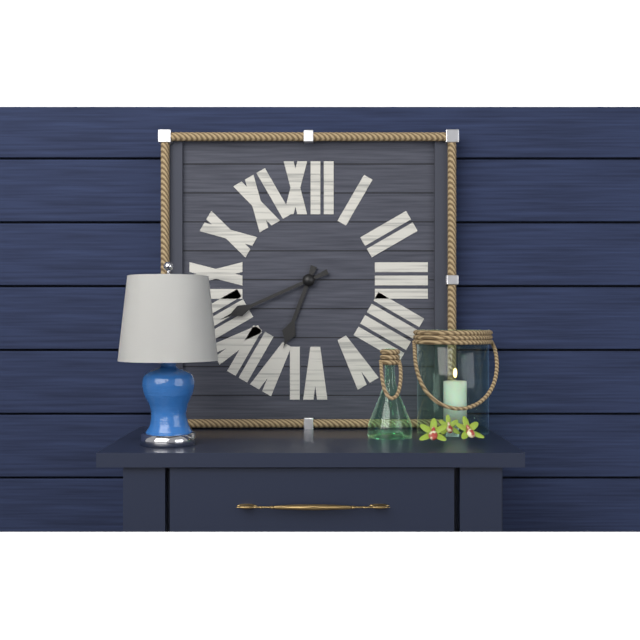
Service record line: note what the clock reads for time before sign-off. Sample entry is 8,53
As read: 6,41
